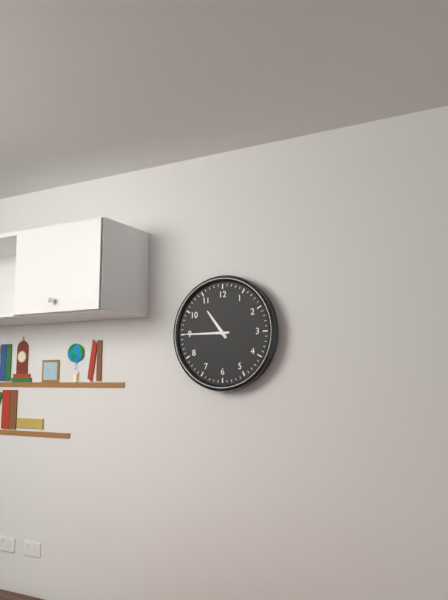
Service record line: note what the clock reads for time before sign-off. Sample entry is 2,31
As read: 10,45
